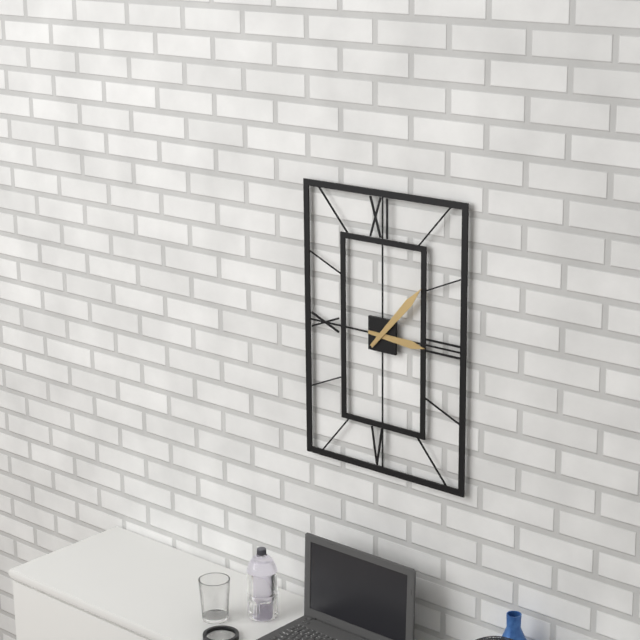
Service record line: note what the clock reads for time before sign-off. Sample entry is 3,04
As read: 3,07
